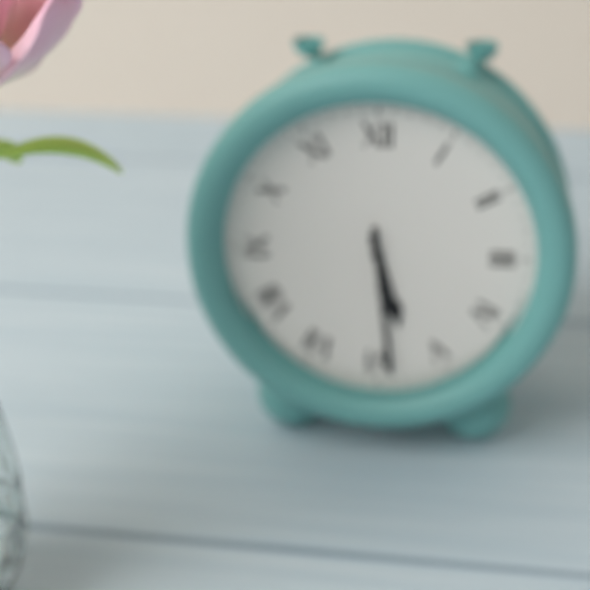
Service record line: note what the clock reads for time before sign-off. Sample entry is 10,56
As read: 5,29
